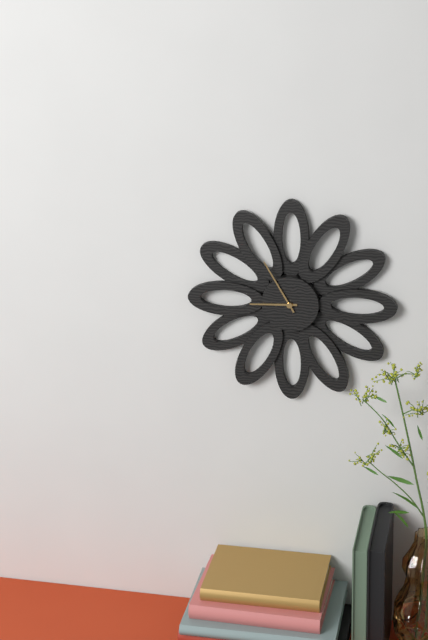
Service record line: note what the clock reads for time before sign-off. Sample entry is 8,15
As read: 8,55
